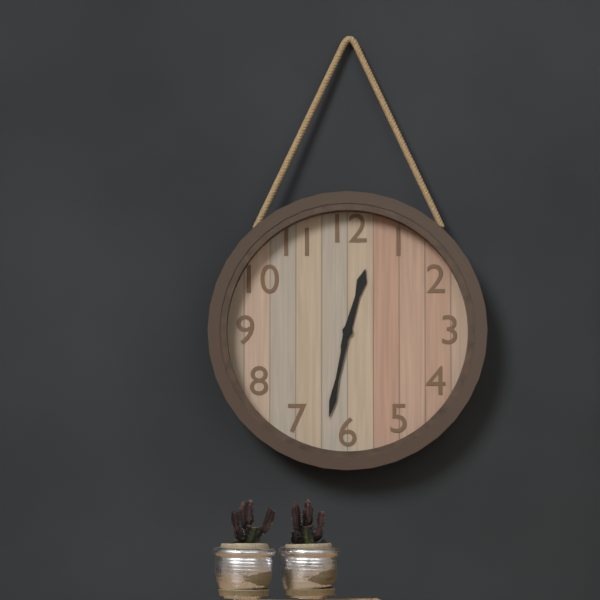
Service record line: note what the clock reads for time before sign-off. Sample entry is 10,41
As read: 12,32
